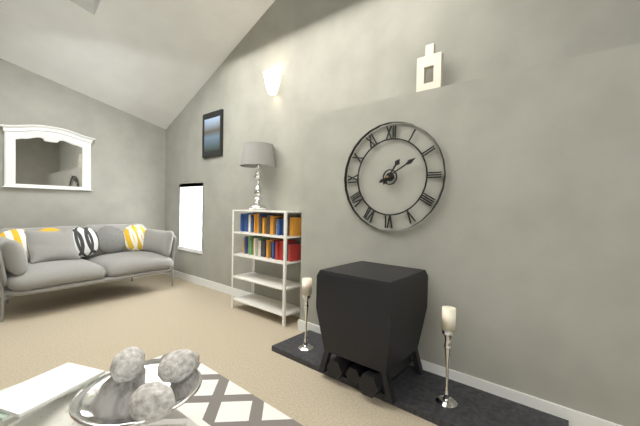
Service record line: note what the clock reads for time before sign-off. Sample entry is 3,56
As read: 1,10
